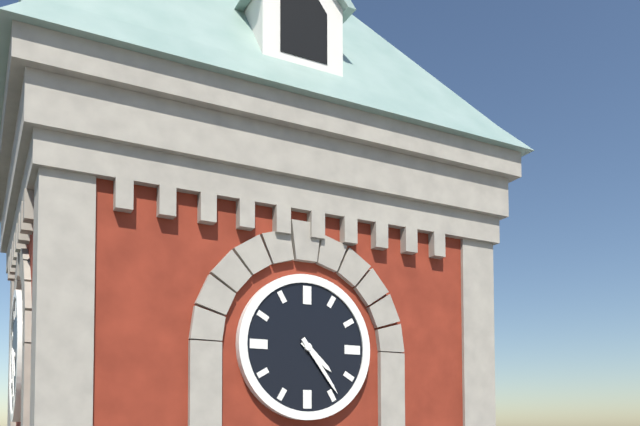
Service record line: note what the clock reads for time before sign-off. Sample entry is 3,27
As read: 4,24
